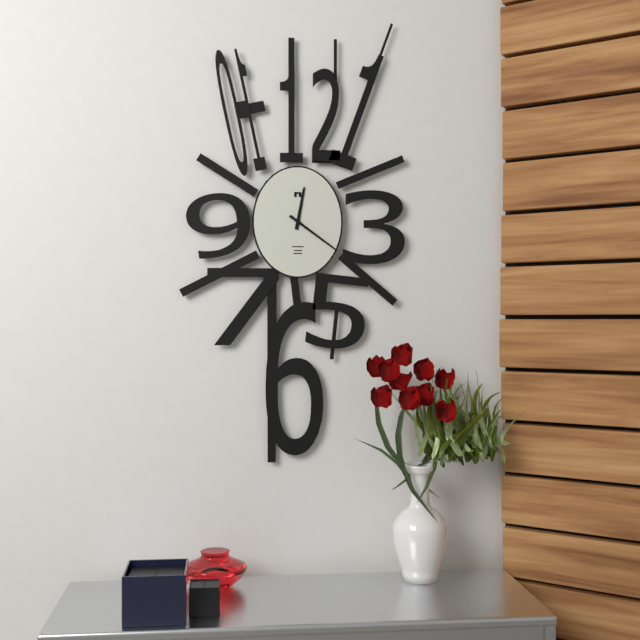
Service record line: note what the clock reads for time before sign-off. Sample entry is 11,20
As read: 12,21
